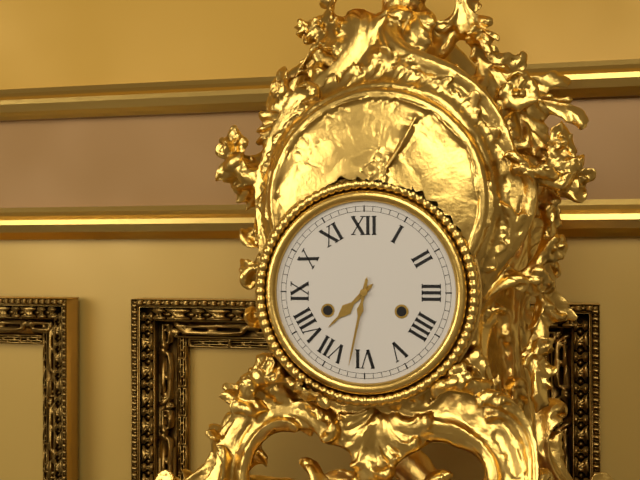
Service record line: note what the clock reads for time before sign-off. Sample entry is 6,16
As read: 7,32
